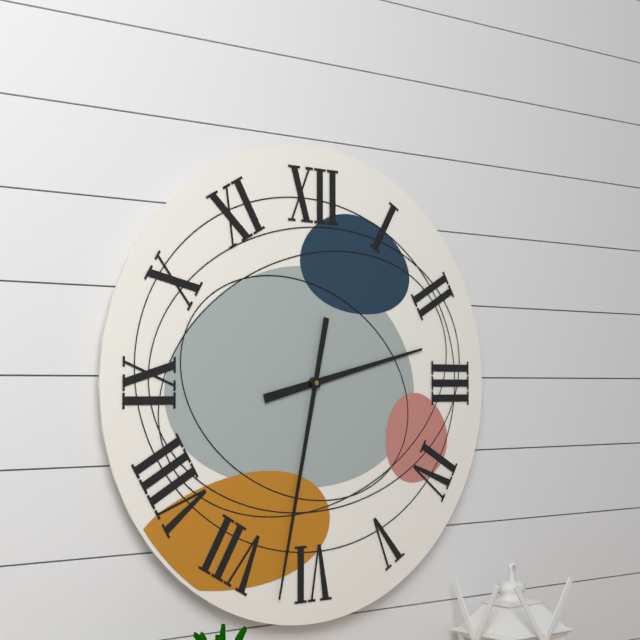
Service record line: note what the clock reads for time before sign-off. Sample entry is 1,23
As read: 2,32
